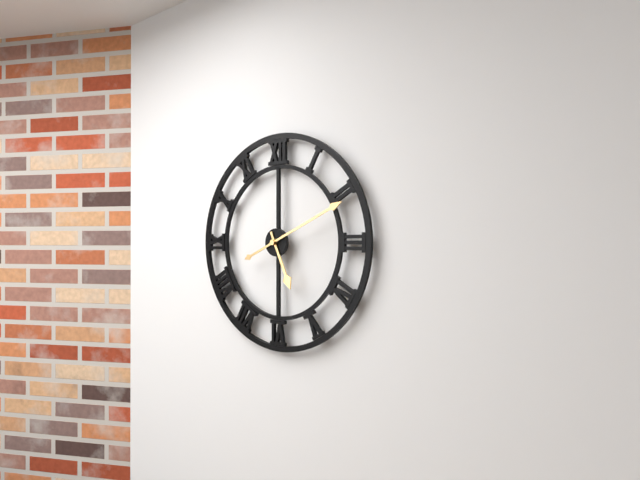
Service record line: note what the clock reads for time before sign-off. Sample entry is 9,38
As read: 5,11
